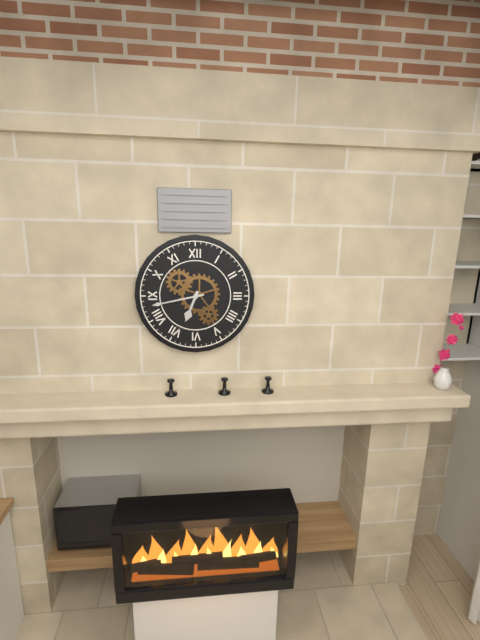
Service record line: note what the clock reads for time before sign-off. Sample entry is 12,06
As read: 6,43
